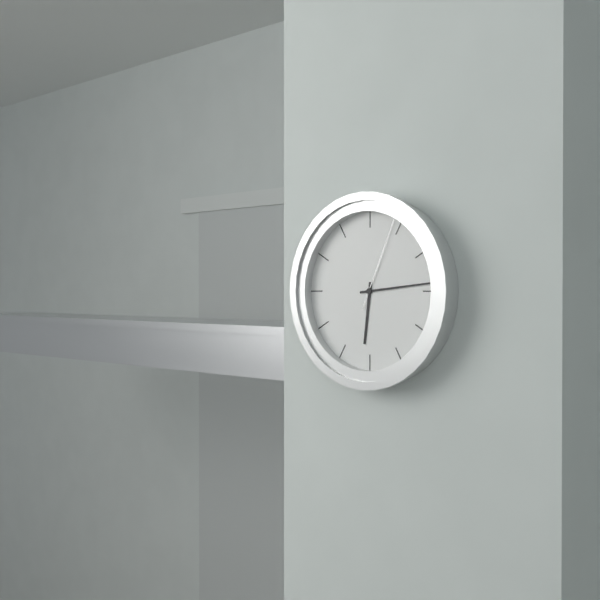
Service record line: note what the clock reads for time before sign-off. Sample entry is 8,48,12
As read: 6,14,04
